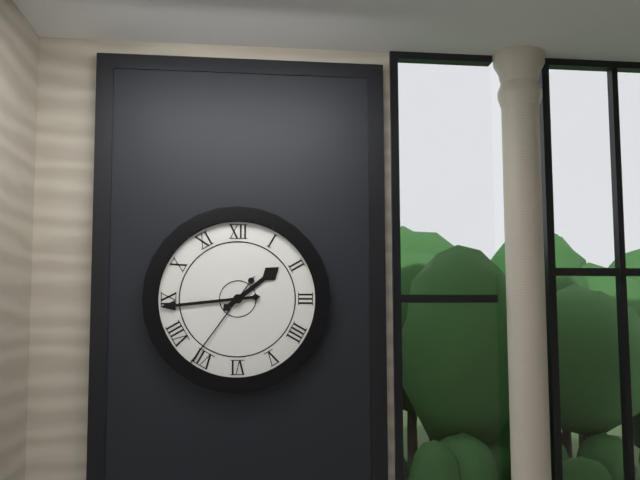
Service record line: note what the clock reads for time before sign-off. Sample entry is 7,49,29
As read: 1,44,36
